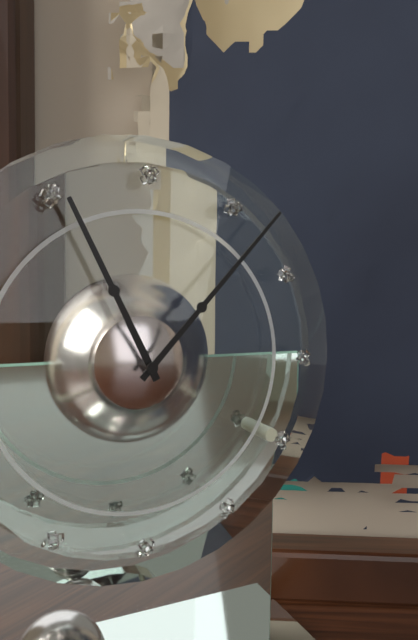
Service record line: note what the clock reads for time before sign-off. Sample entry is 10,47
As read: 11,07
